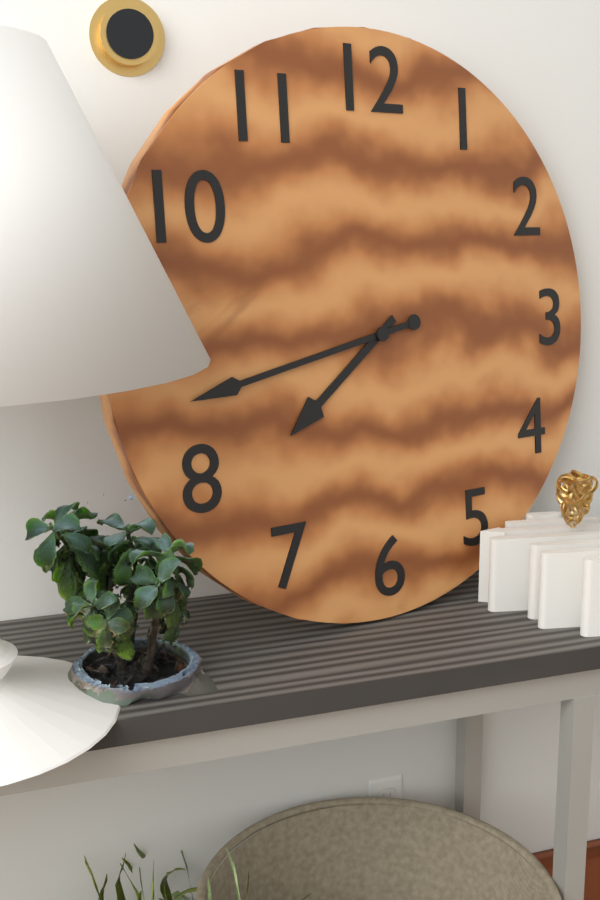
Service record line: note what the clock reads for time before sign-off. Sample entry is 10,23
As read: 7,43
